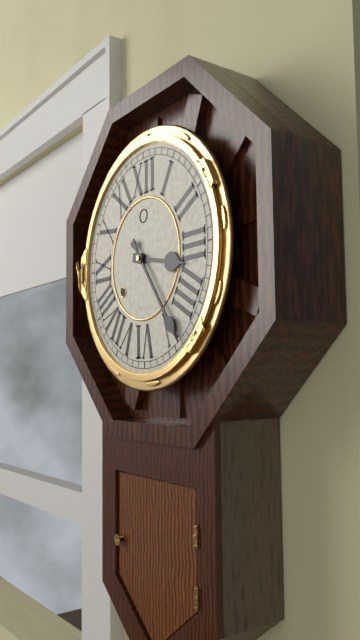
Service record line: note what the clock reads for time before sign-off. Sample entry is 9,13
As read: 3,24
